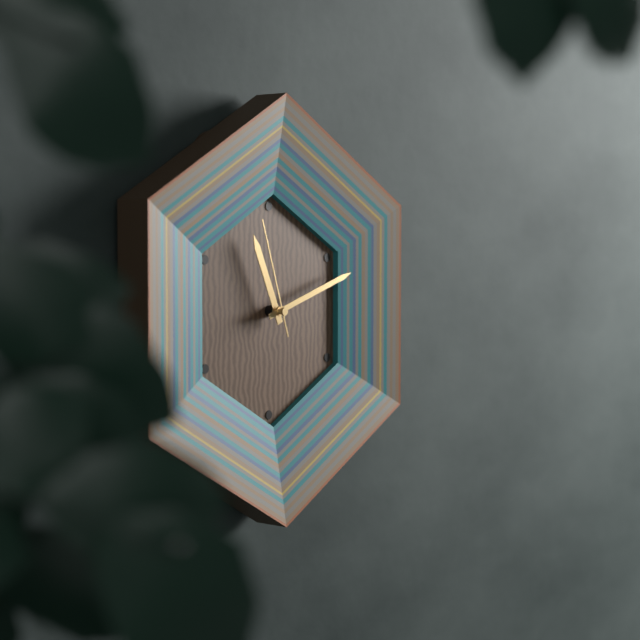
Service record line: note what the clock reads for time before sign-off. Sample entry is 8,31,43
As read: 11,12,57
